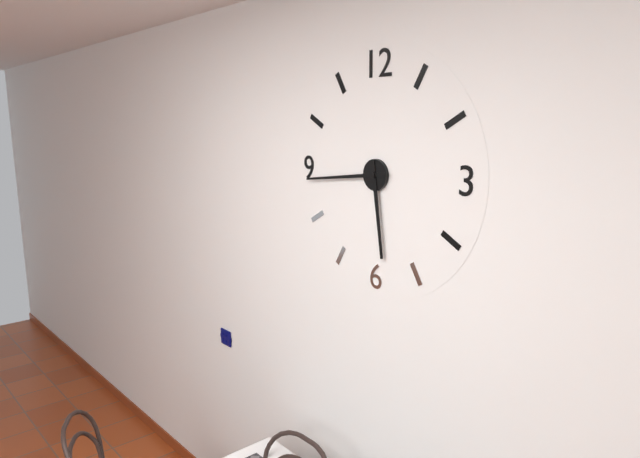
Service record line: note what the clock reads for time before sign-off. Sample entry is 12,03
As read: 5,44
